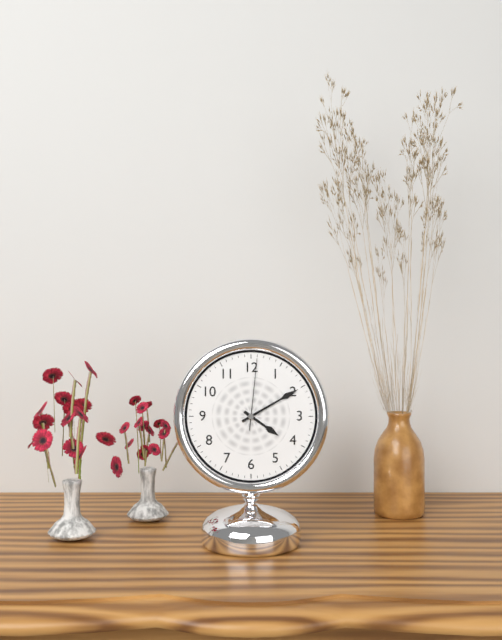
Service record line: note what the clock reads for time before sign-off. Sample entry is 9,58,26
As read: 4,10,01
